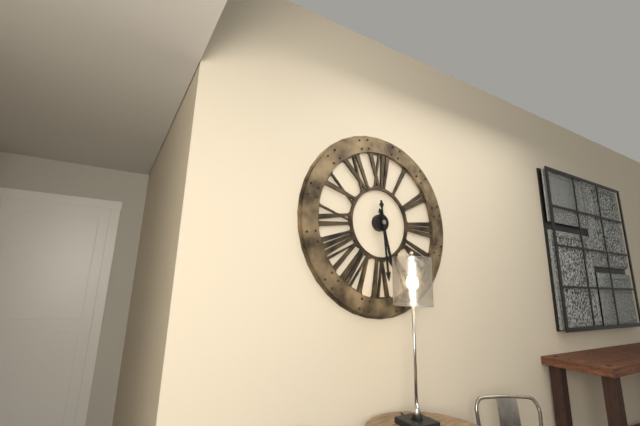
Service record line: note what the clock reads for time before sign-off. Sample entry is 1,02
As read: 5,29
